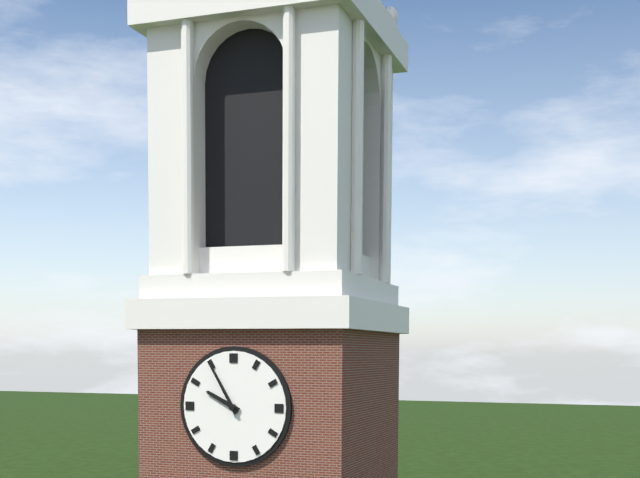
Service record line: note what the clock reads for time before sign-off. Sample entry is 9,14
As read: 9,55
